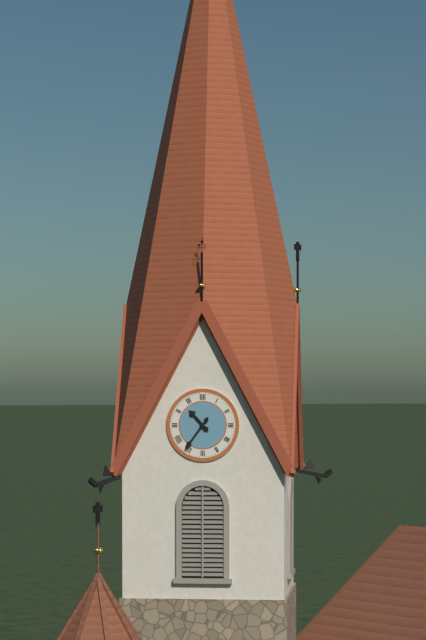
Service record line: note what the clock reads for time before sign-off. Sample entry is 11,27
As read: 10,36
